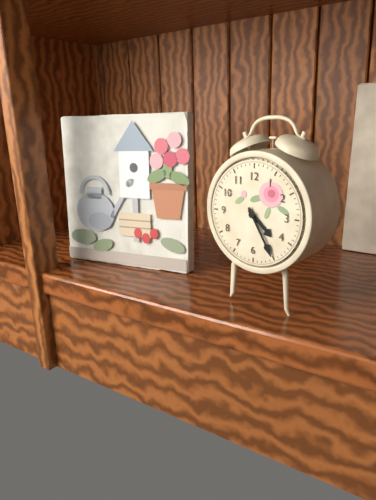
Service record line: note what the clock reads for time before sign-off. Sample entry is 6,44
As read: 4,25
